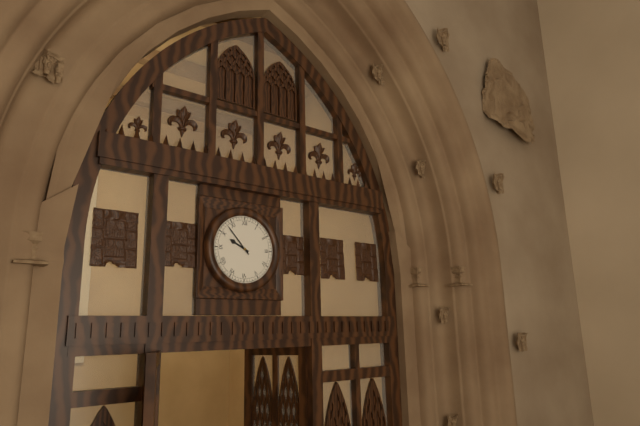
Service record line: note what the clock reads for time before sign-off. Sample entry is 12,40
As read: 9,53
